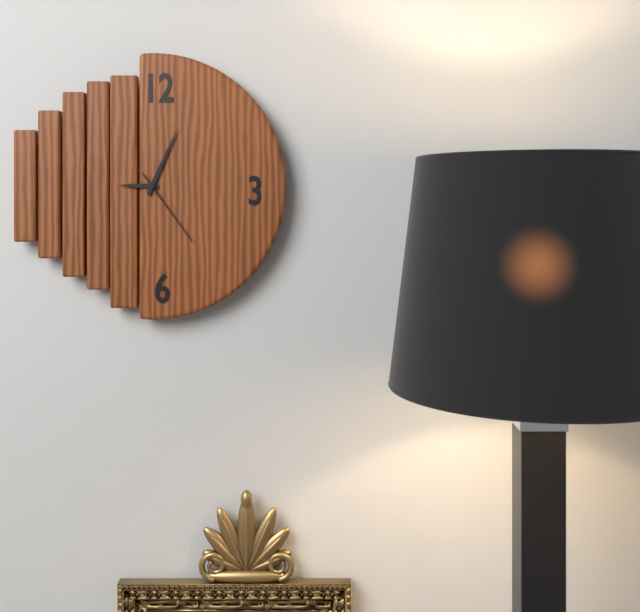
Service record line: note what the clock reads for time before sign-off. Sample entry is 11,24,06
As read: 9,04,24
